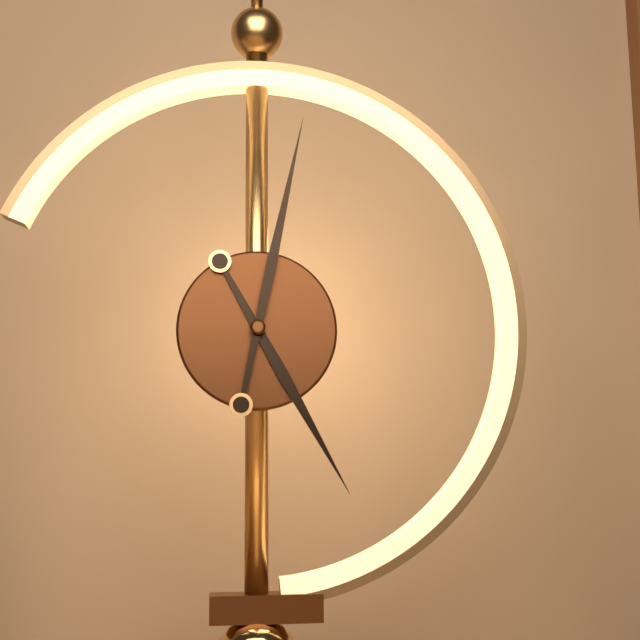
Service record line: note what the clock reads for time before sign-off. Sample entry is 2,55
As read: 5,02
